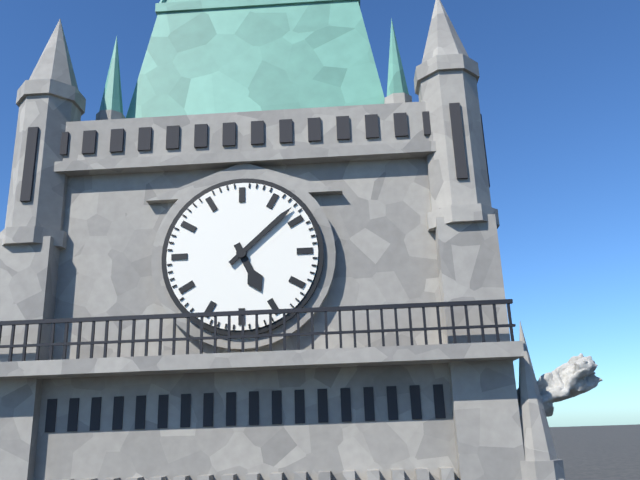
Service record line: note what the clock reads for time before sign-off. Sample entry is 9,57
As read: 5,08
